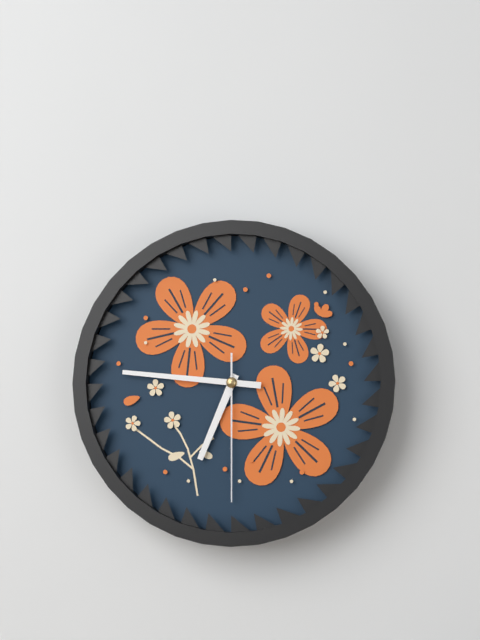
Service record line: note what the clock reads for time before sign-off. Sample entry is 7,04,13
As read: 6,46,30
